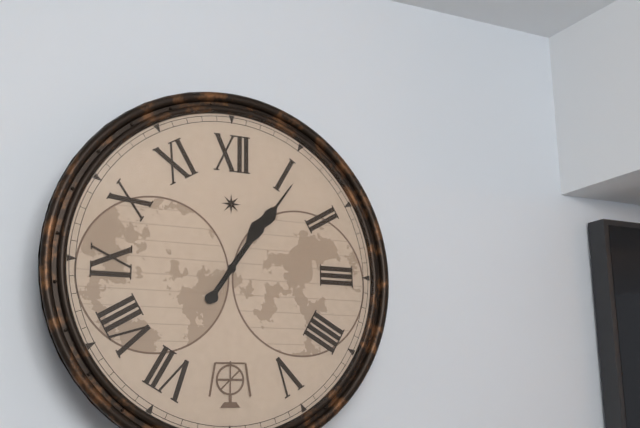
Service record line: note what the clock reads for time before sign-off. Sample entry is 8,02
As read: 1,06
